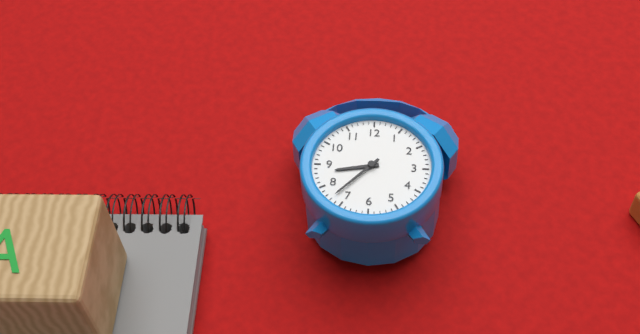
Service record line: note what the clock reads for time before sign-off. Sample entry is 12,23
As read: 8,37
